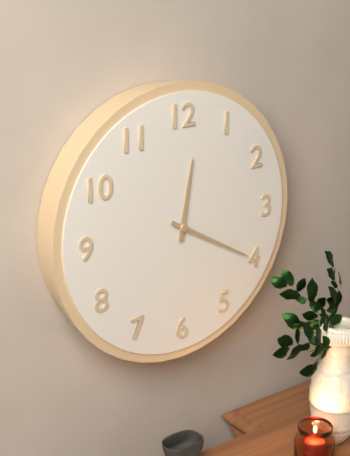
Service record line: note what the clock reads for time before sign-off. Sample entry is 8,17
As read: 12,20
